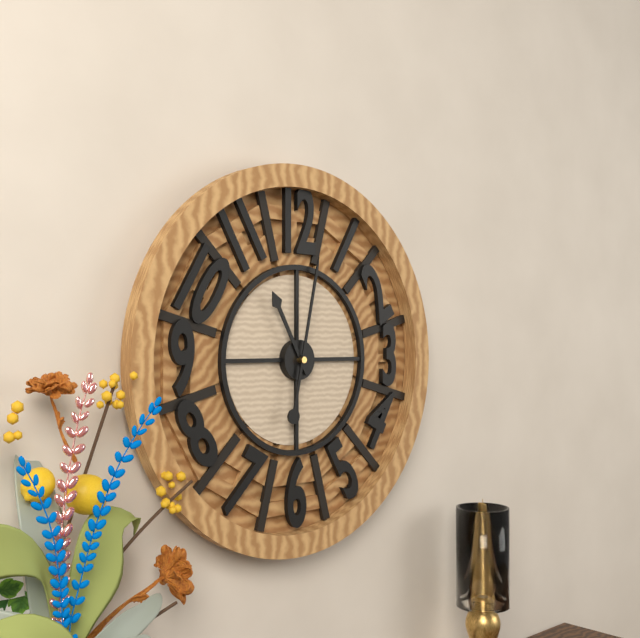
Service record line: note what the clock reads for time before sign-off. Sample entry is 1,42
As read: 11,02
